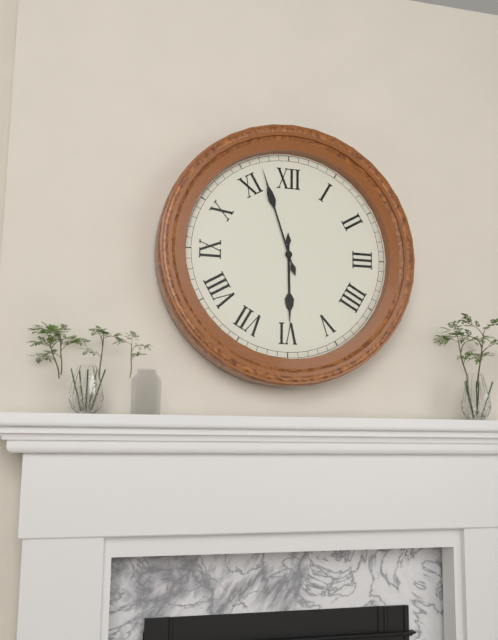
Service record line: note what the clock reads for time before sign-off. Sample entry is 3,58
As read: 5,57
